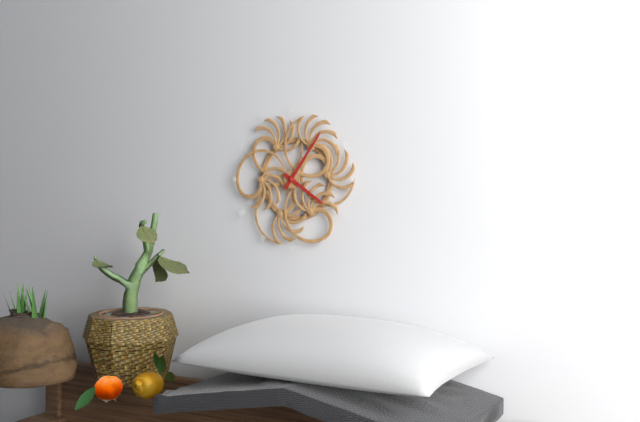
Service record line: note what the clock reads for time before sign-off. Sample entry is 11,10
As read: 4,06
